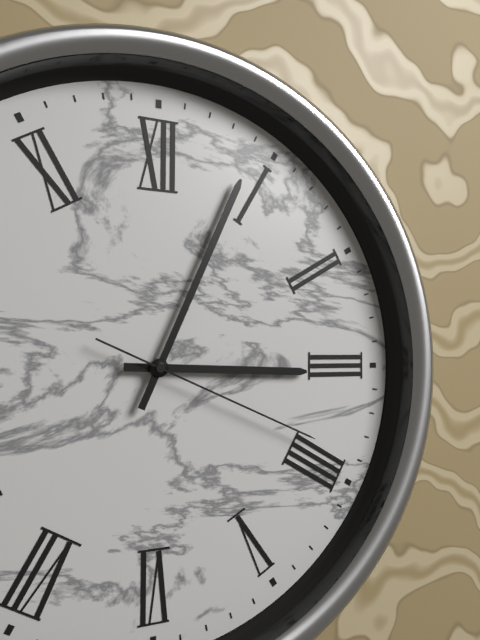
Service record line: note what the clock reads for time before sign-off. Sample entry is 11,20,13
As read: 3,04,19
